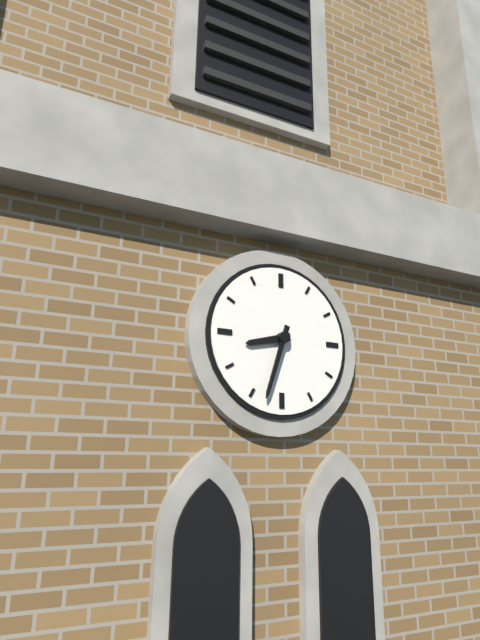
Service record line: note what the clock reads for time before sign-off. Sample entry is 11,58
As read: 8,33
